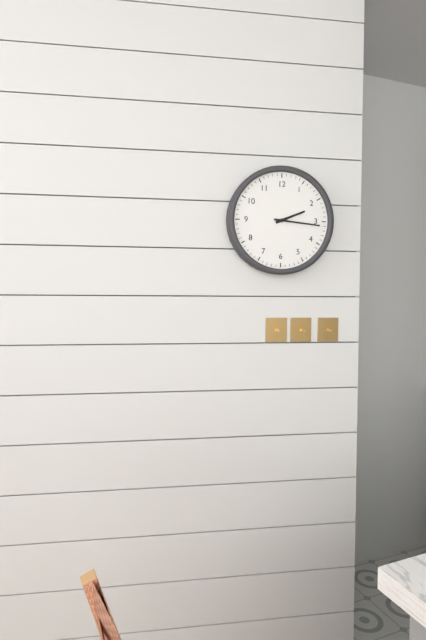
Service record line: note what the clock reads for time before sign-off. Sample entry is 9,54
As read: 2,16
